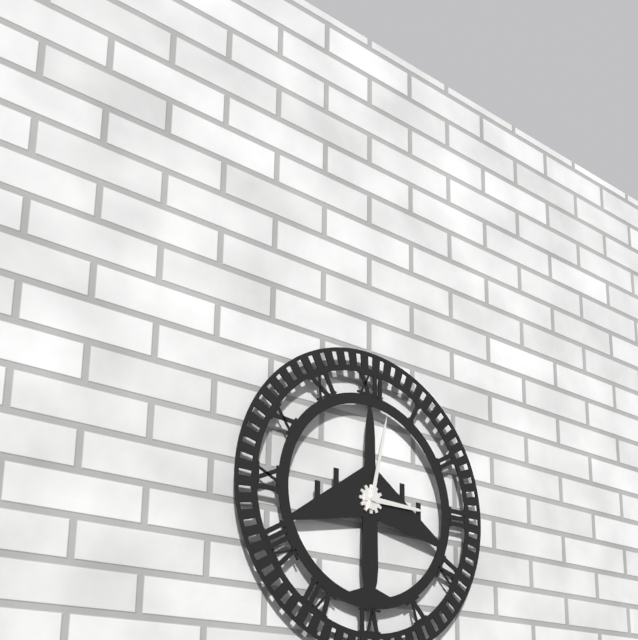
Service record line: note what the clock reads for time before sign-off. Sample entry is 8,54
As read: 3,02
